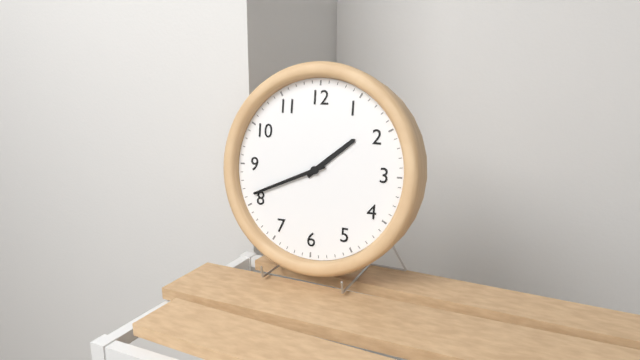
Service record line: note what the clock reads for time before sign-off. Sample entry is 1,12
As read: 1,41
